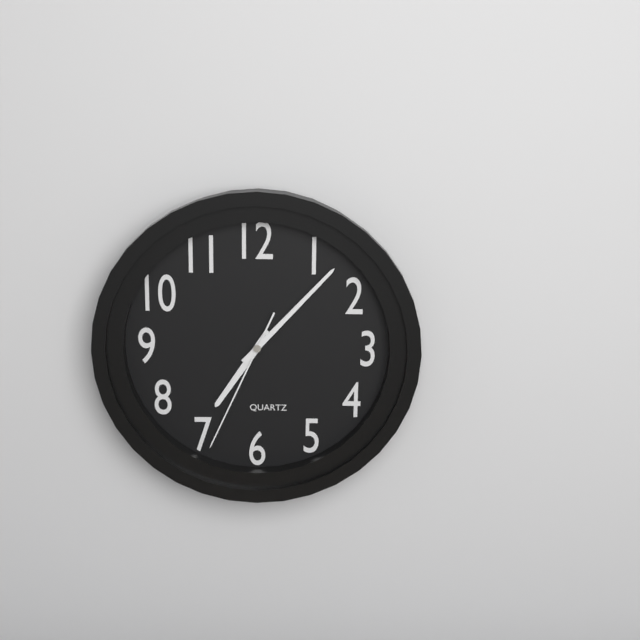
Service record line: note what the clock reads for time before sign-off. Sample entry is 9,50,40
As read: 7,07,34
